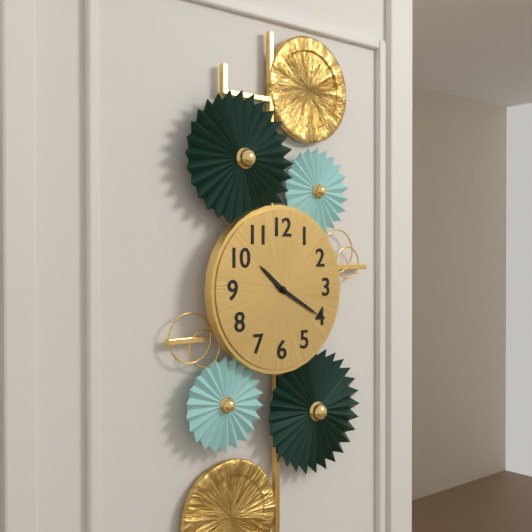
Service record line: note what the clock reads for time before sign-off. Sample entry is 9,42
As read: 10,20
